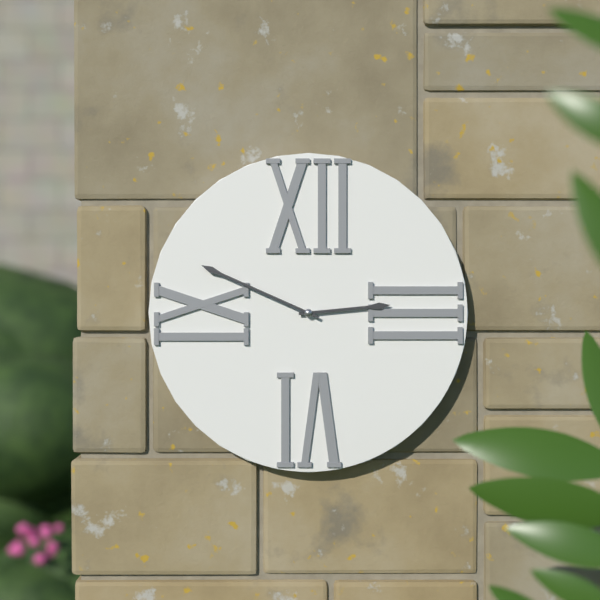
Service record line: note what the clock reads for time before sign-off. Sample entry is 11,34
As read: 2,49
